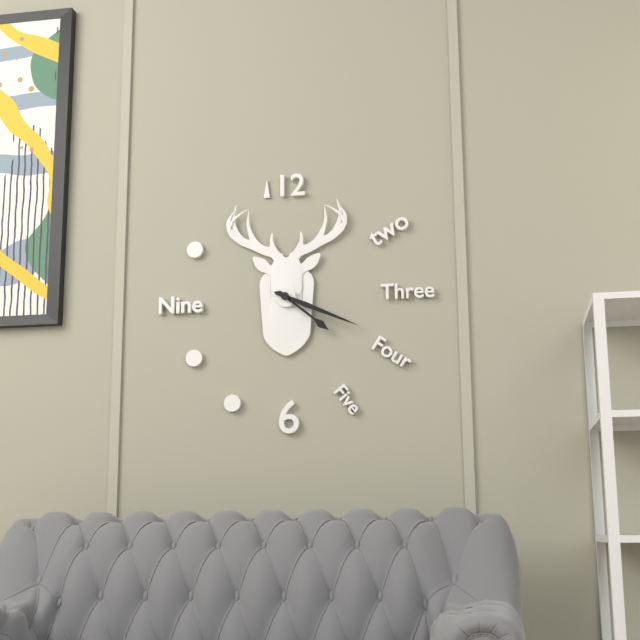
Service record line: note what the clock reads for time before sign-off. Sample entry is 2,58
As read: 4,19
